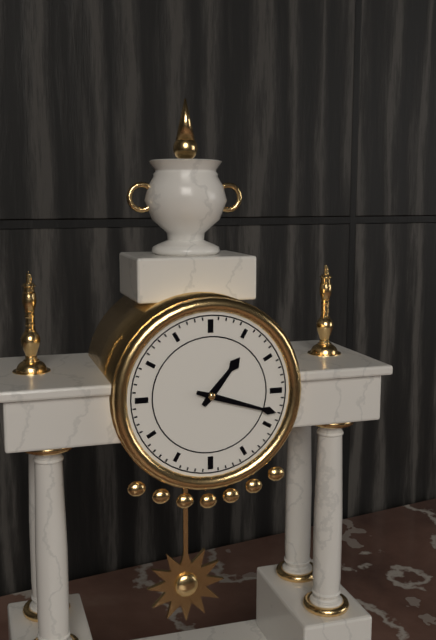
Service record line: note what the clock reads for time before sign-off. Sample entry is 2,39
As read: 1,18
